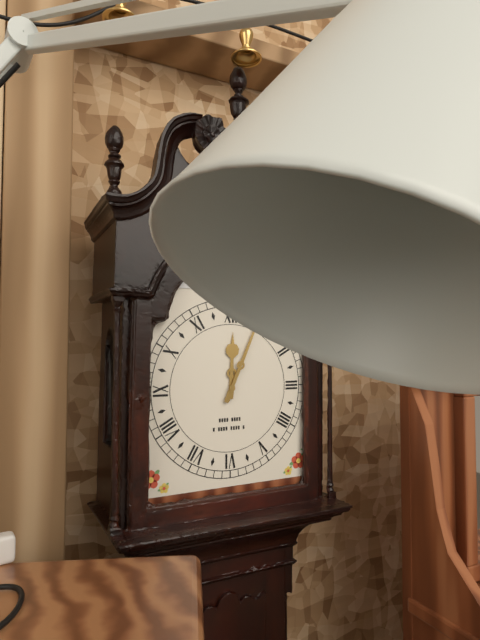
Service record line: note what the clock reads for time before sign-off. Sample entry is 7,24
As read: 12,04
